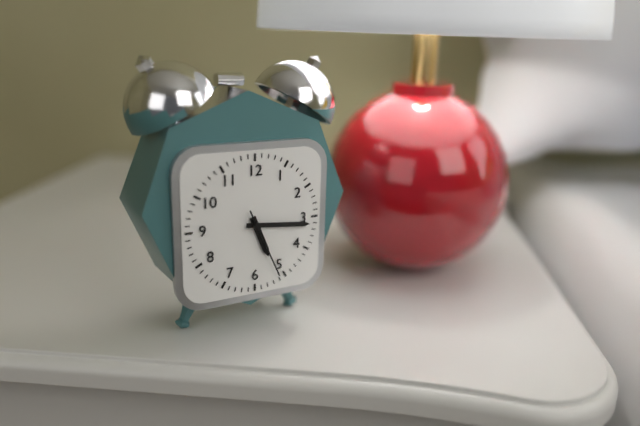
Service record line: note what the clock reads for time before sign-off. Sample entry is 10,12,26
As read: 5,16,26
